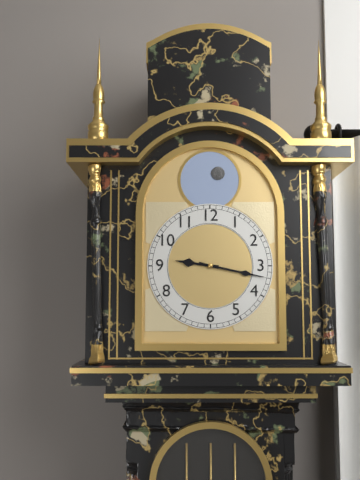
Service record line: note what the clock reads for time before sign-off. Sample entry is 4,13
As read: 9,17
